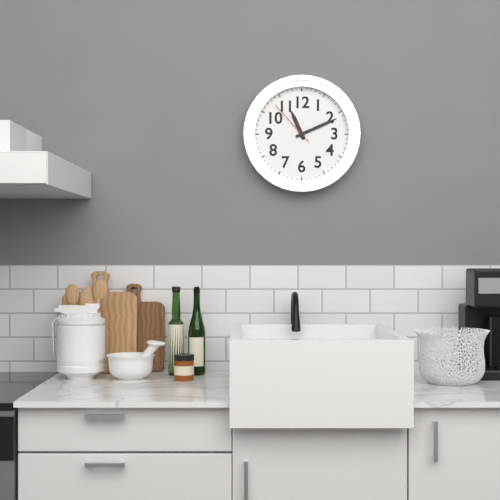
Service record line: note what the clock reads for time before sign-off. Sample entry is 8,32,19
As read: 11,11,53
